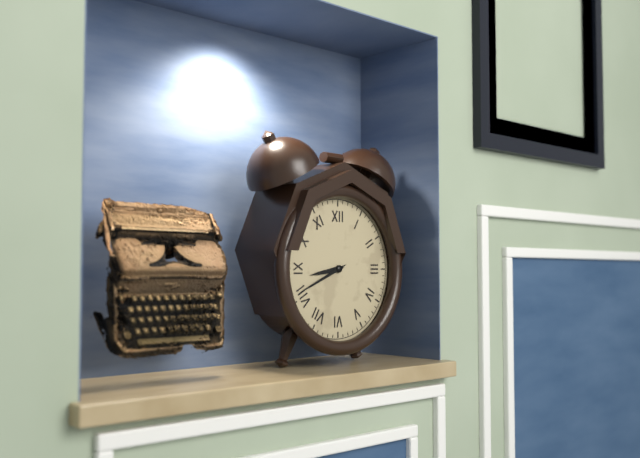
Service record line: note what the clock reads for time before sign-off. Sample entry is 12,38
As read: 8,41
